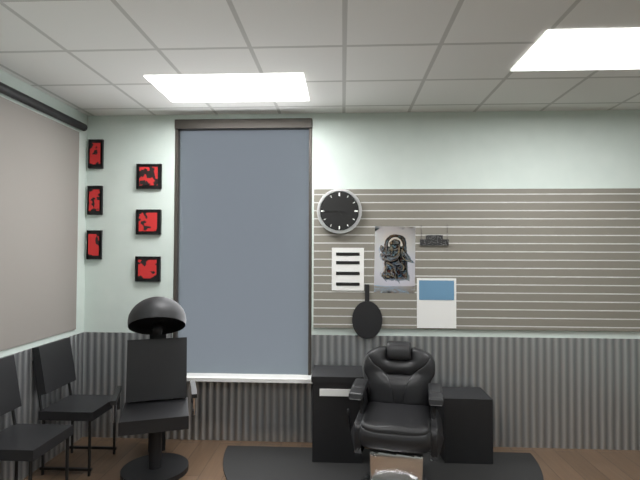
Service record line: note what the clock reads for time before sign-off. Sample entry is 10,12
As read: 4,45
